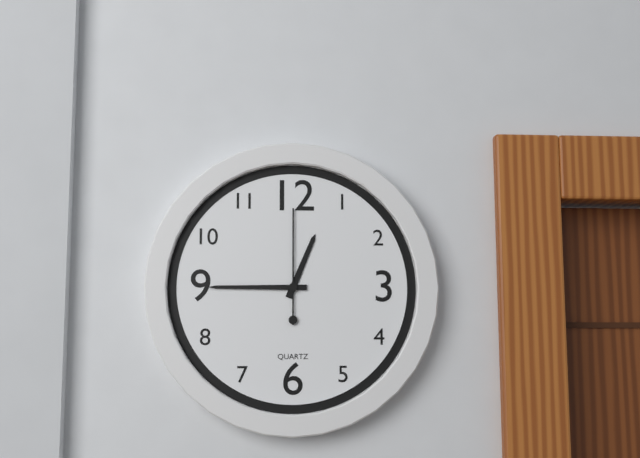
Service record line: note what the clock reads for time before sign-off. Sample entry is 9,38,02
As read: 12,45,00
